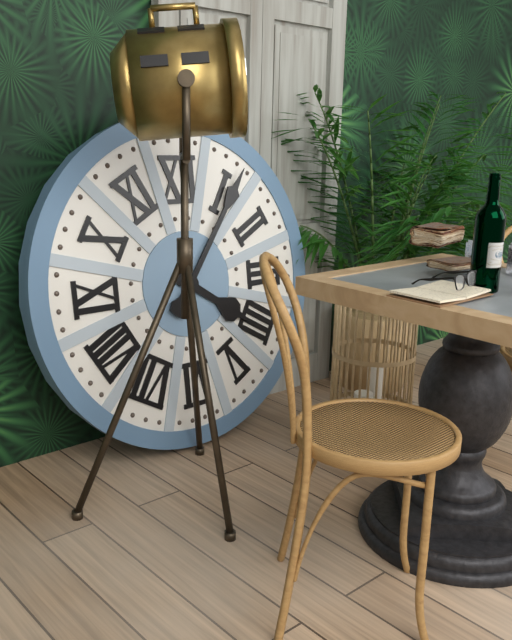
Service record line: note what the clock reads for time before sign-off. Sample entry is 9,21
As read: 4,06
